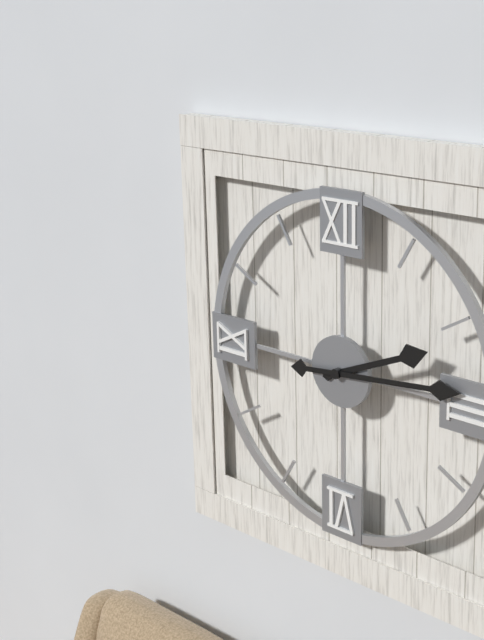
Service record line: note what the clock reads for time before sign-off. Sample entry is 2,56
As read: 2,14
